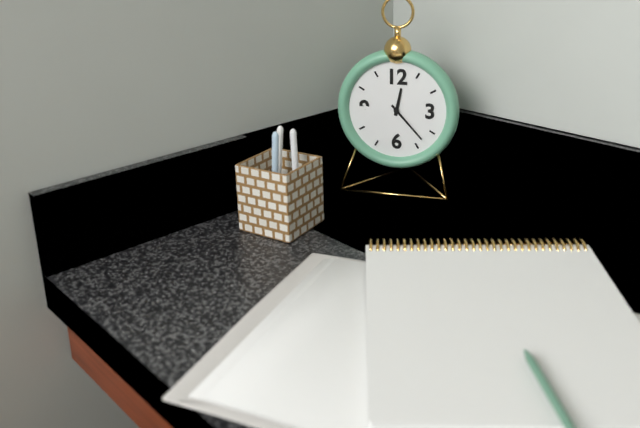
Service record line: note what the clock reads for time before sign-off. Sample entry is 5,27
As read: 12,23
